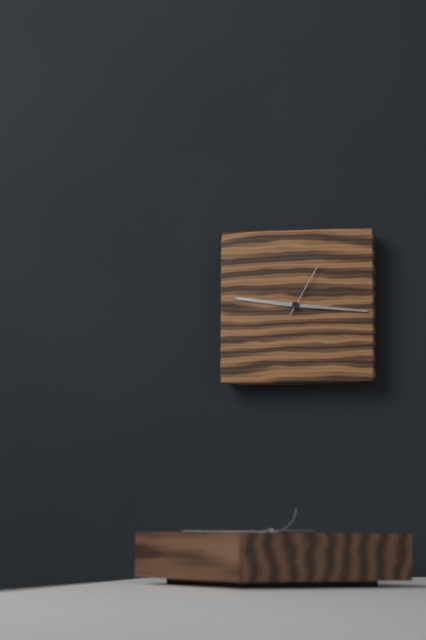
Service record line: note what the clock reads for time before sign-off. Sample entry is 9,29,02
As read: 9,16,05
